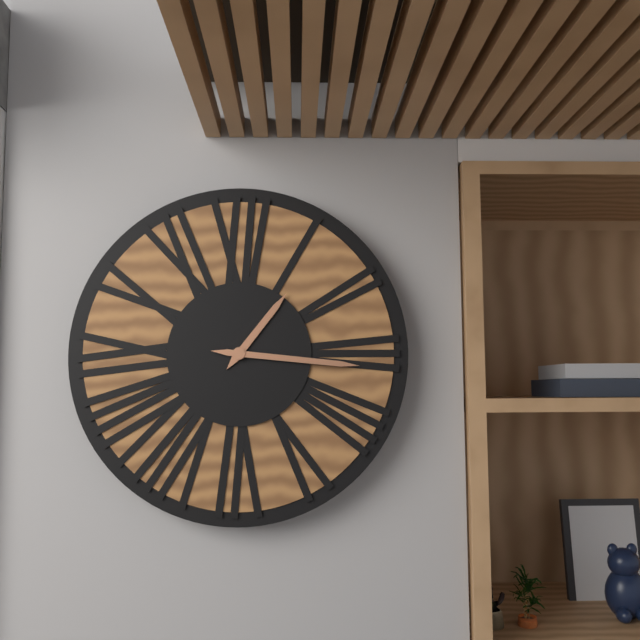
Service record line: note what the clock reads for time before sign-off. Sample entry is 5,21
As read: 1,16
